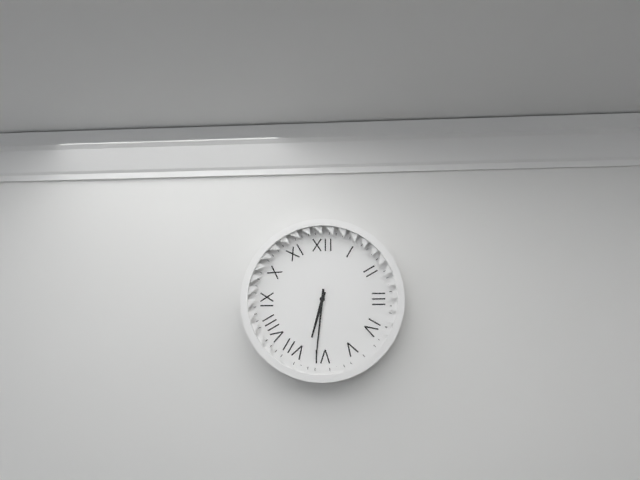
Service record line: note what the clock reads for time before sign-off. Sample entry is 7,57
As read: 6,31
